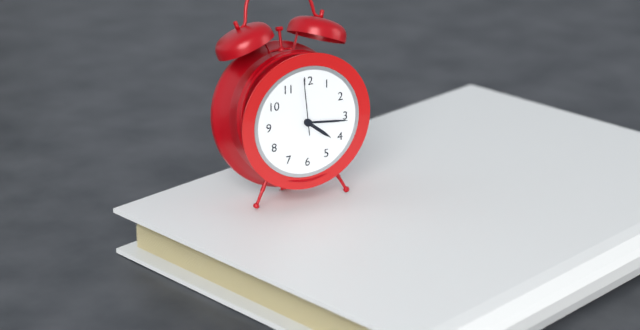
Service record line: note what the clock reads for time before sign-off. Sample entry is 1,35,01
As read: 4,16,59
